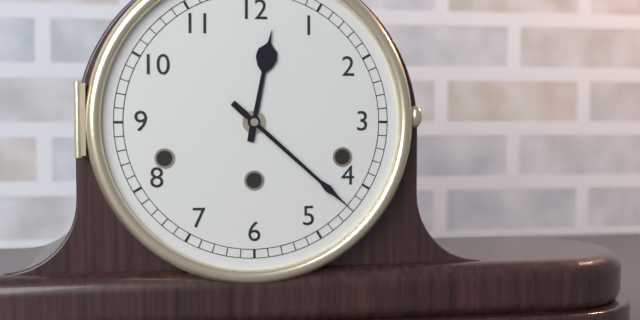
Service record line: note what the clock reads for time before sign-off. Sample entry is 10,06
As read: 12,22
